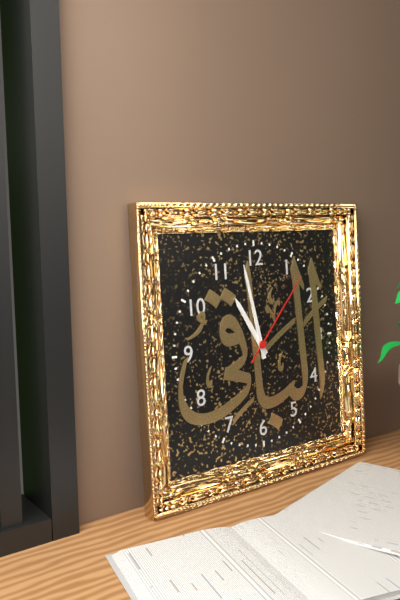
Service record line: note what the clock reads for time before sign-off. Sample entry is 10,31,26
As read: 10,58,07
